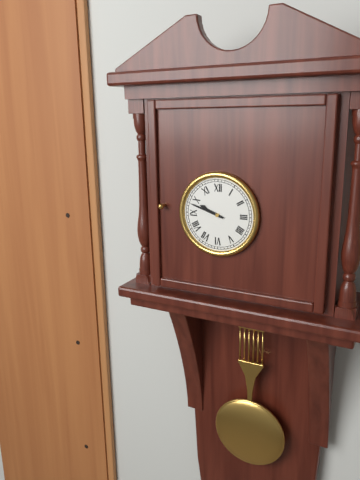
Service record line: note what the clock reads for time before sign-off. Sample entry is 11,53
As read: 9,48
